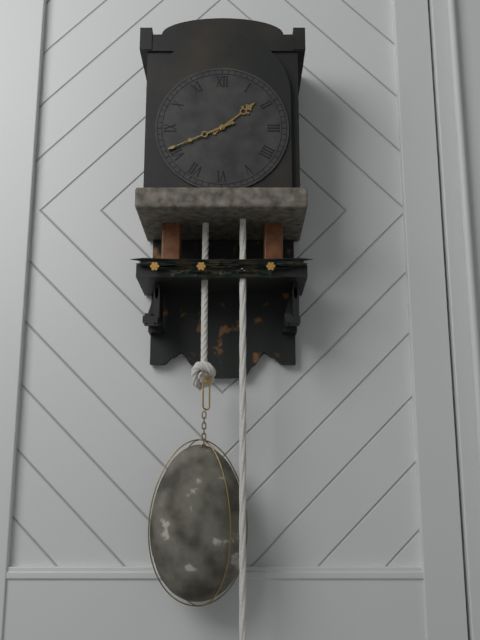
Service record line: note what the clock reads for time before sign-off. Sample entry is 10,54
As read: 1,41
